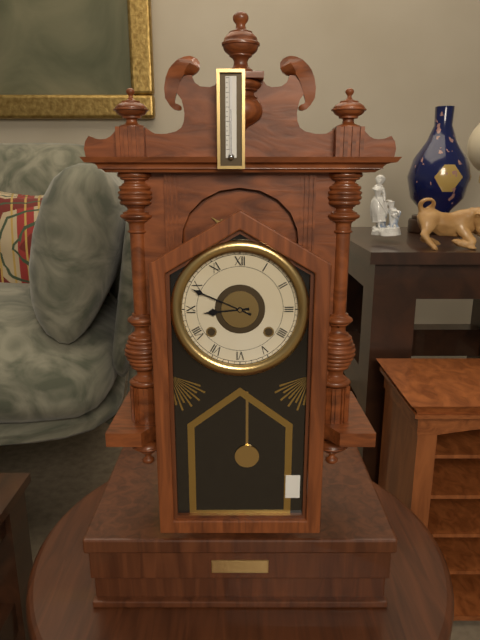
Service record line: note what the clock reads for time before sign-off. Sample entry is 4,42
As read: 8,49
